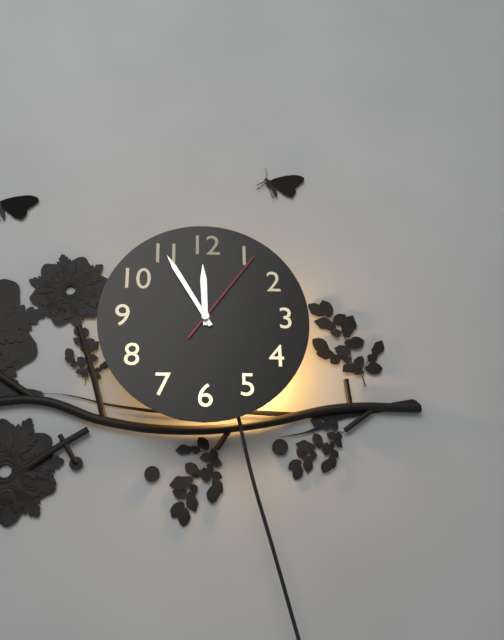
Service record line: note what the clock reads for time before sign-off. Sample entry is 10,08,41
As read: 11,55,06
